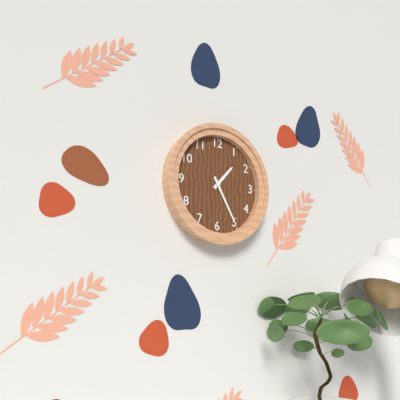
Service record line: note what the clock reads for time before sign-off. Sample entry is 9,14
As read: 1,25
